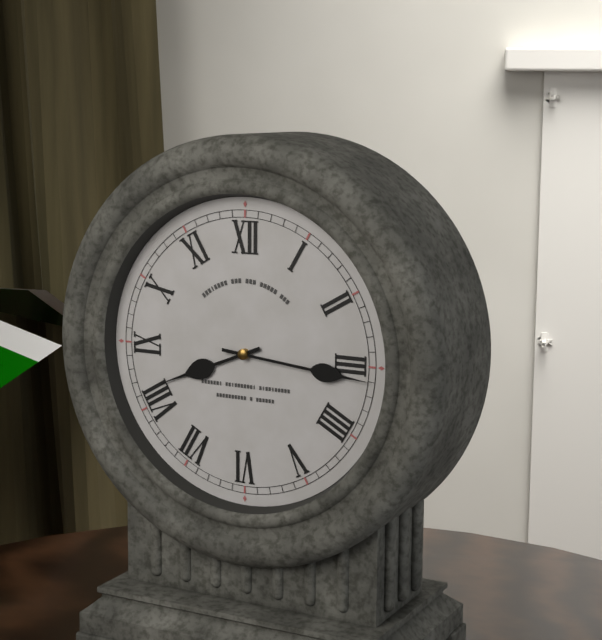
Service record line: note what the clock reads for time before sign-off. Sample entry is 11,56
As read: 8,16
